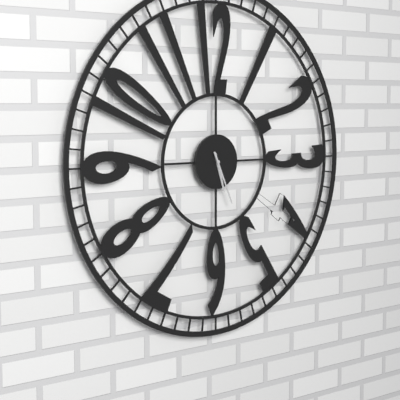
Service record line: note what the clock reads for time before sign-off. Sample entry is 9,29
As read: 5,26
